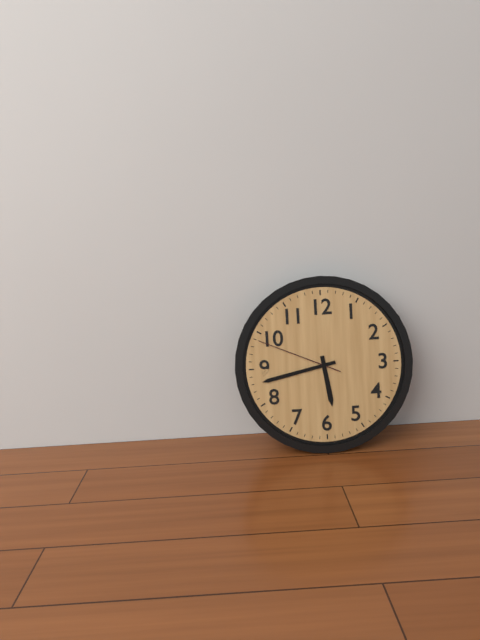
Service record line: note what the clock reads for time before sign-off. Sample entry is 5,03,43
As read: 5,43,49
